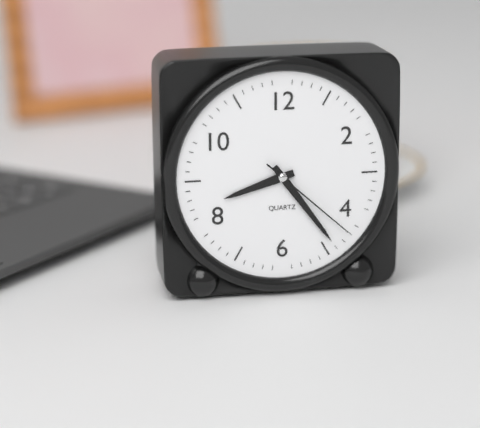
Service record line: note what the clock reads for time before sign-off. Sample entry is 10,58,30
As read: 8,24,22
